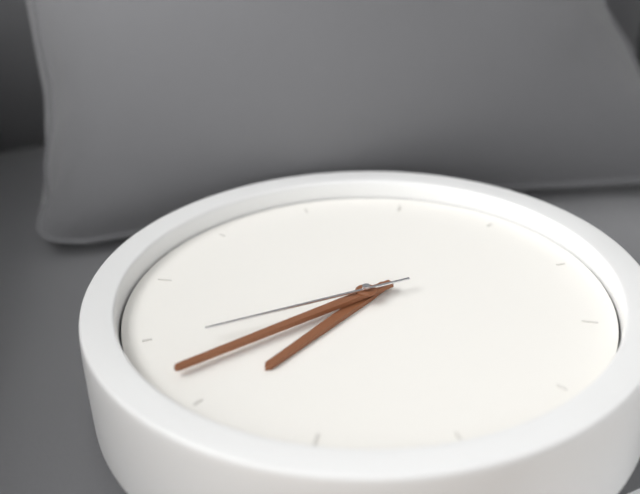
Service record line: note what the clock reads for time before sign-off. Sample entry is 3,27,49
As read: 9,52,54
